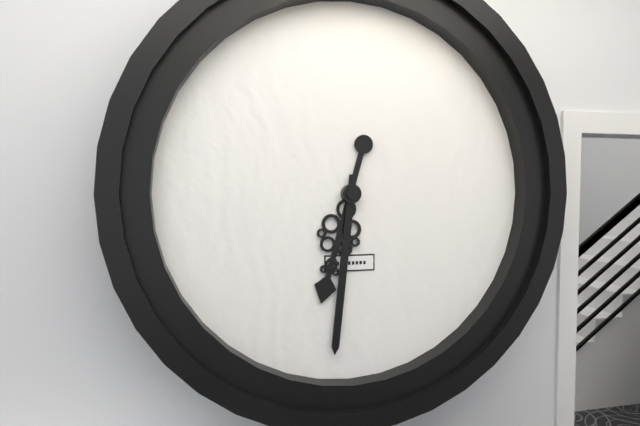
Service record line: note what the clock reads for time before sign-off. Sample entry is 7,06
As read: 6,31
